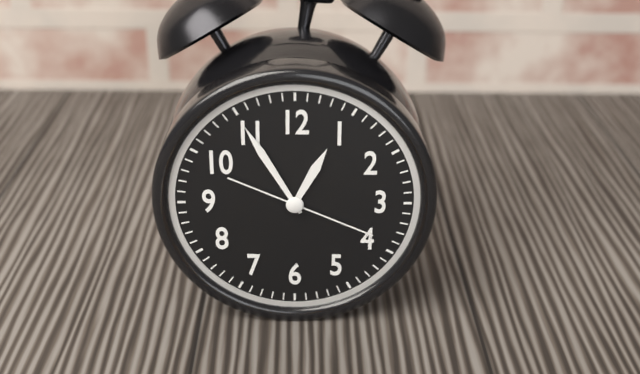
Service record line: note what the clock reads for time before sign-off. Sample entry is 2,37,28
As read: 12,55,19
